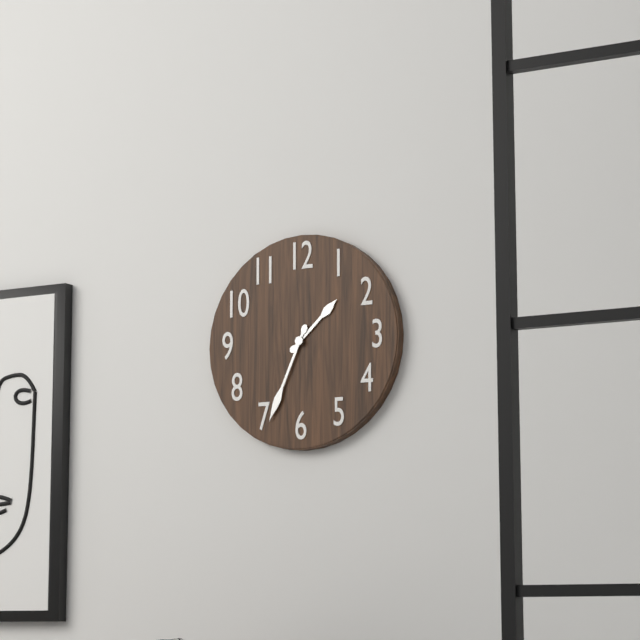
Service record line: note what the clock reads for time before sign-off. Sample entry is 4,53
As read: 1,34
